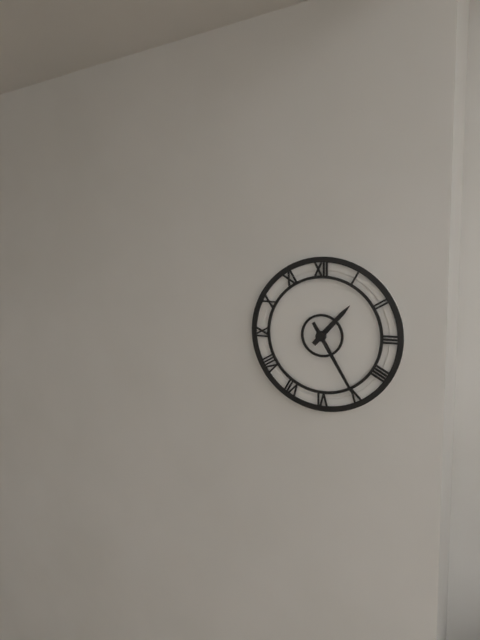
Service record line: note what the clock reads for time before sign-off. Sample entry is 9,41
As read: 1,25
